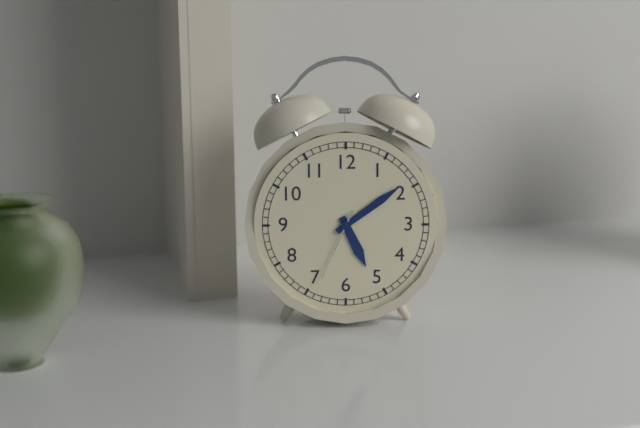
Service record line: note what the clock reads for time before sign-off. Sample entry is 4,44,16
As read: 5,09,34
